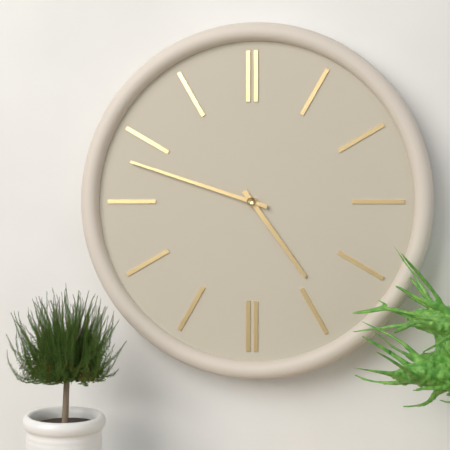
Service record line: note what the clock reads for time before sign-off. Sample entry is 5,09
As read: 4,48
